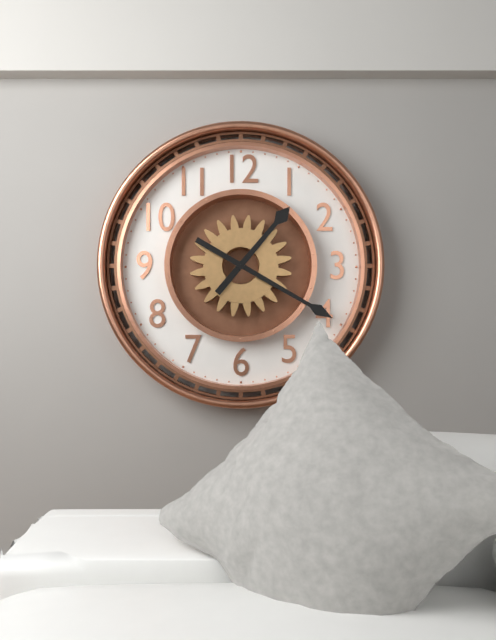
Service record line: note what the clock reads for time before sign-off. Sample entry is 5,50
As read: 1,20
